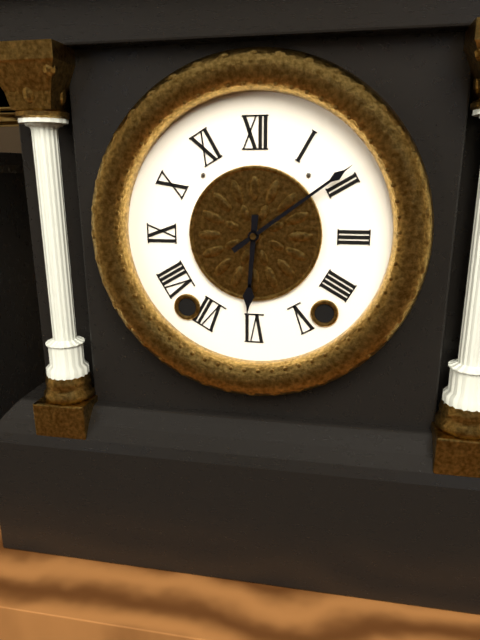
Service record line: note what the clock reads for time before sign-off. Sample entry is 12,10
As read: 6,09
